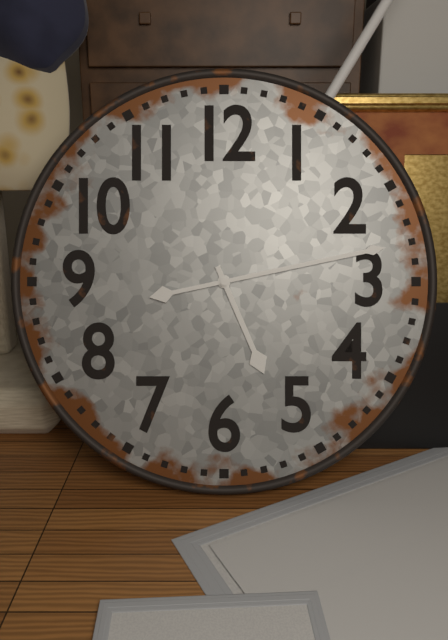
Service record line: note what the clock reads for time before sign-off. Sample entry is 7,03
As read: 5,13
